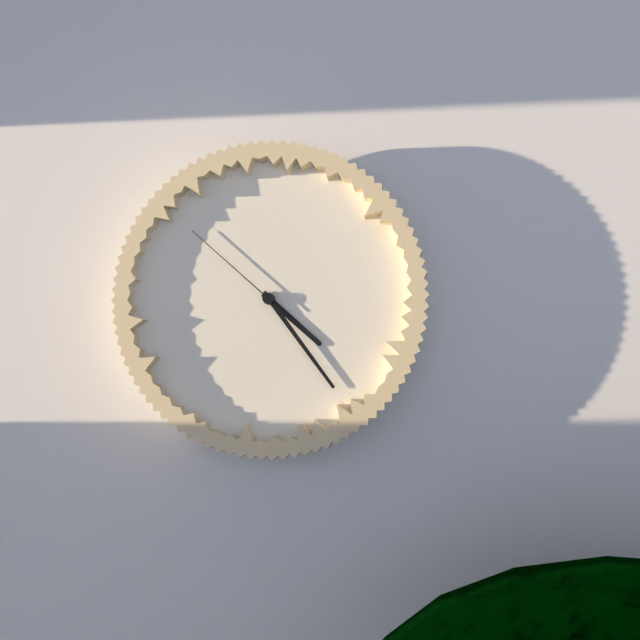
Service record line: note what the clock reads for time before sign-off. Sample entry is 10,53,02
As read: 4,24,52
